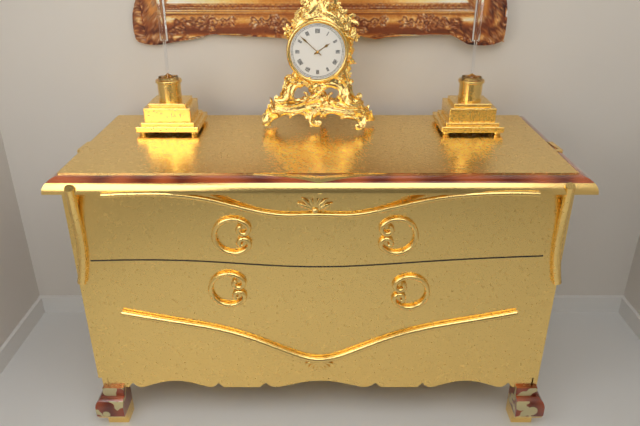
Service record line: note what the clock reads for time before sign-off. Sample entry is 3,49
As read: 1,52
